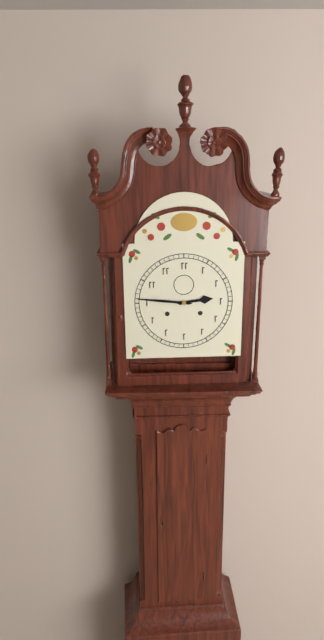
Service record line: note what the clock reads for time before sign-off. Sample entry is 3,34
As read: 2,46
